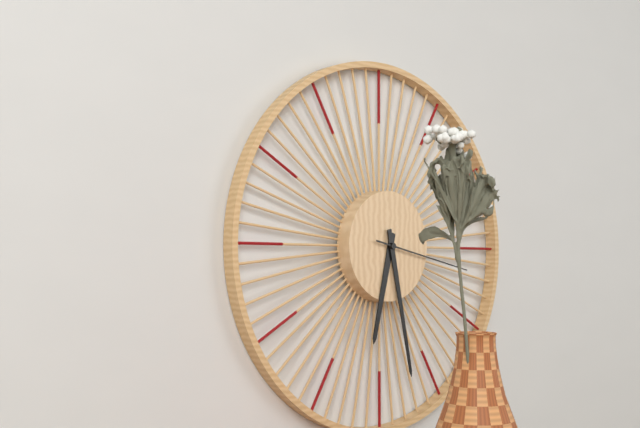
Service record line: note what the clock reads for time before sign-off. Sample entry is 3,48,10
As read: 6,28,17
